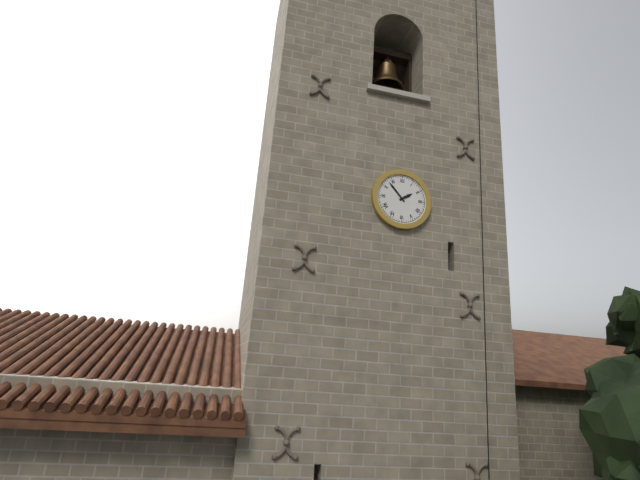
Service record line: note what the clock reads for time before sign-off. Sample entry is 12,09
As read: 1,53
